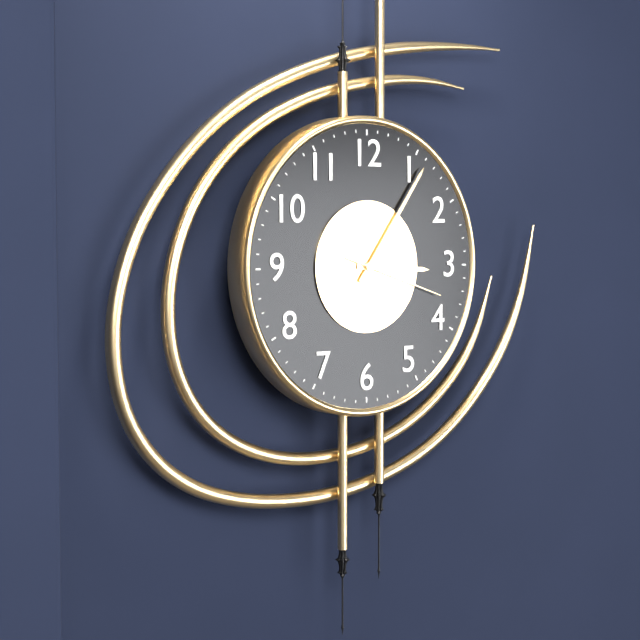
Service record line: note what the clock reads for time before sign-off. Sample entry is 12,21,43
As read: 3,06,18
